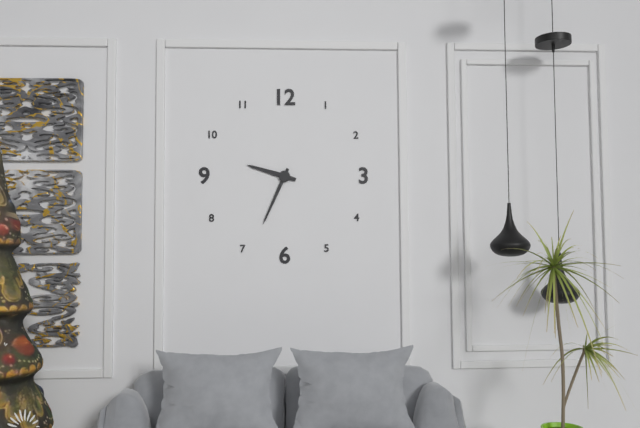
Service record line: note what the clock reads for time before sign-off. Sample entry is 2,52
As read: 9,34
